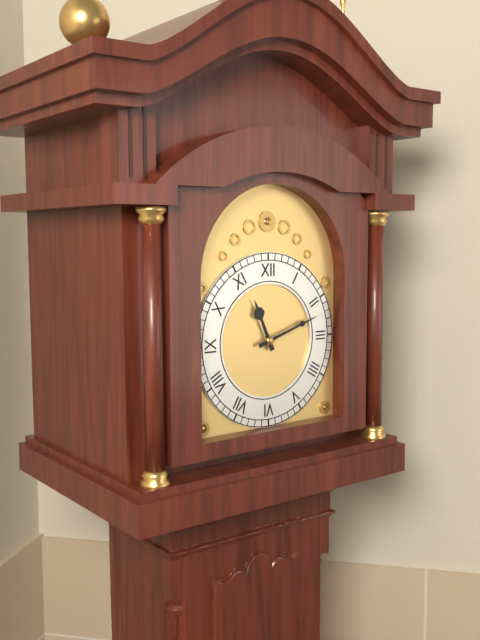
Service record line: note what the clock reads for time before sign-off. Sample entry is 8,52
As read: 11,12
